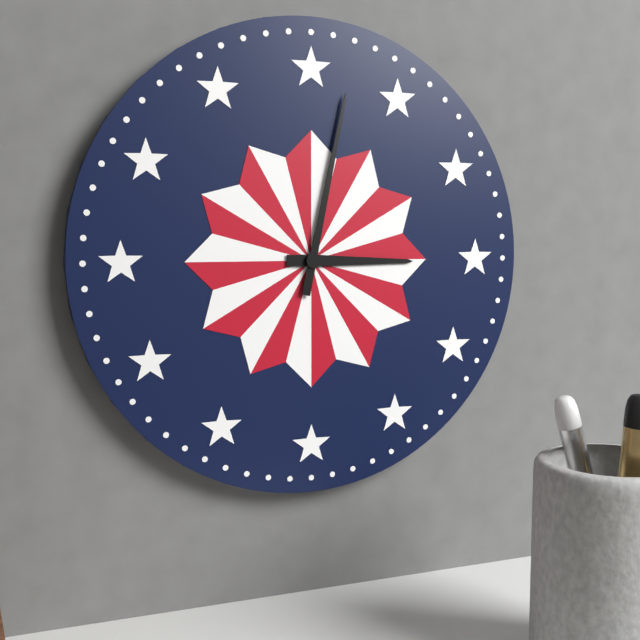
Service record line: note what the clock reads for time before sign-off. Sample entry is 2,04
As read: 3,02
